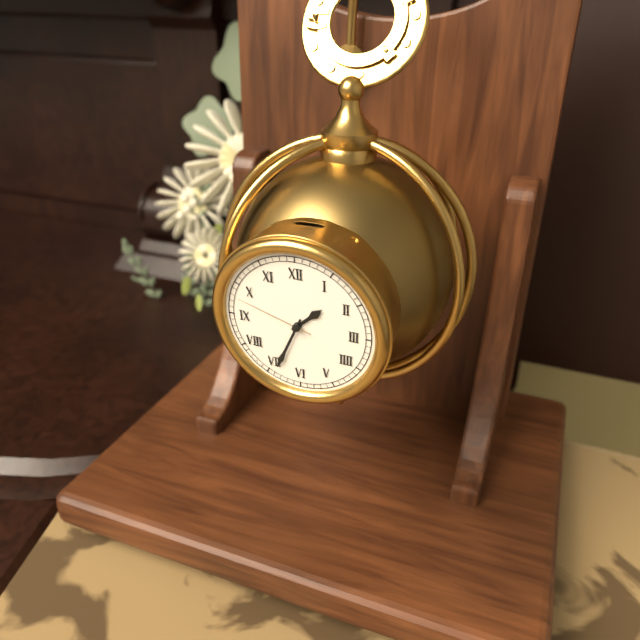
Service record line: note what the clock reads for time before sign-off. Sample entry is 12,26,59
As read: 1,34,48
